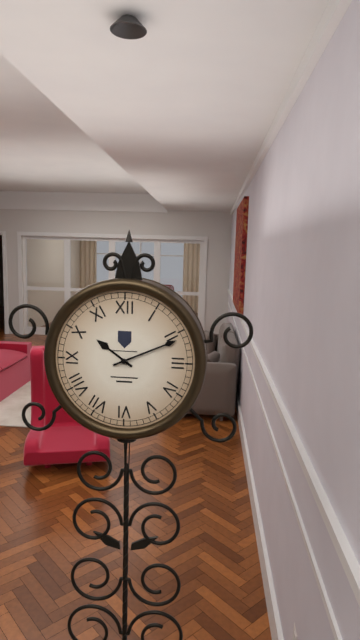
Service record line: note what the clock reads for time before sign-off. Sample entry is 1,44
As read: 10,11
